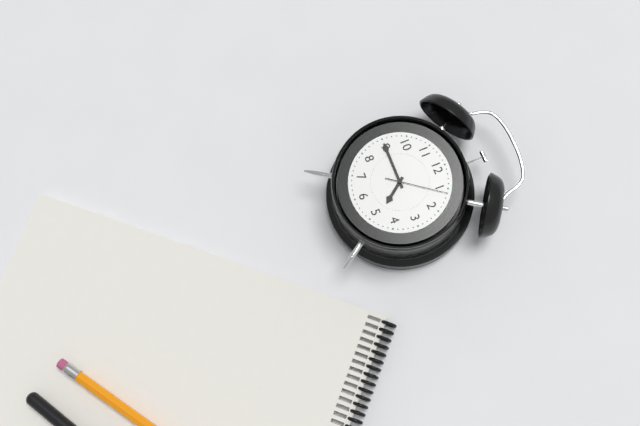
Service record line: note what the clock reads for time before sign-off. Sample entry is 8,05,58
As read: 4,45,06
